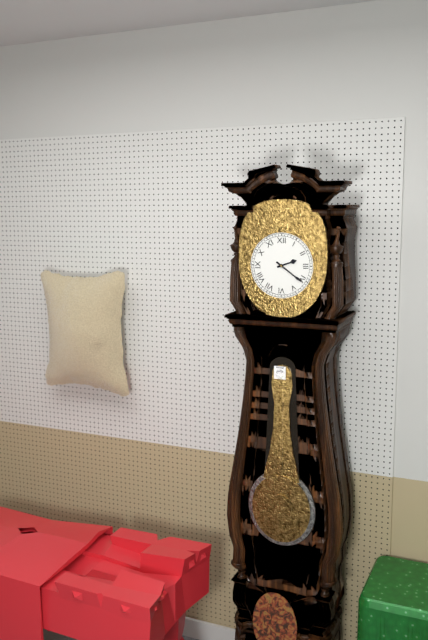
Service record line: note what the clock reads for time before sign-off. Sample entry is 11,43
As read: 2,21
